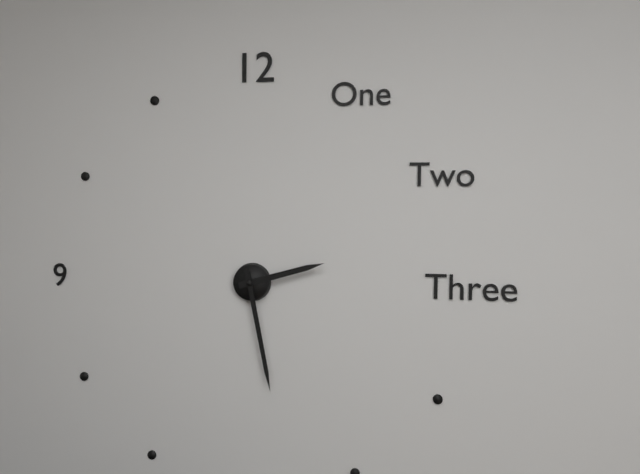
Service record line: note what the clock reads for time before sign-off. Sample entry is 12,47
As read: 2,28
